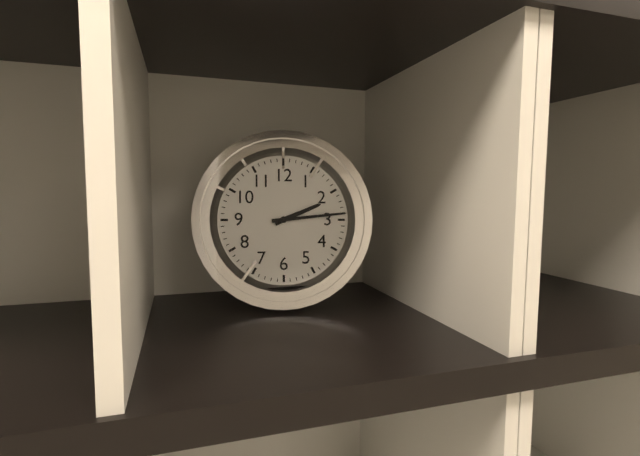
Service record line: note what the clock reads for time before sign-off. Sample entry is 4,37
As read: 2,14
